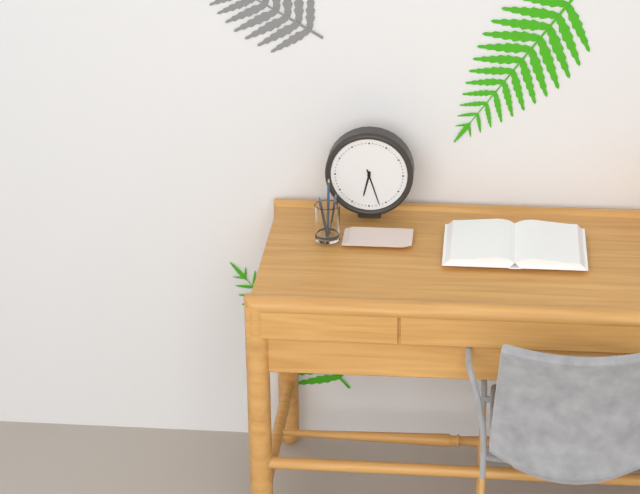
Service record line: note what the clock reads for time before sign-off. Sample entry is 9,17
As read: 6,27
